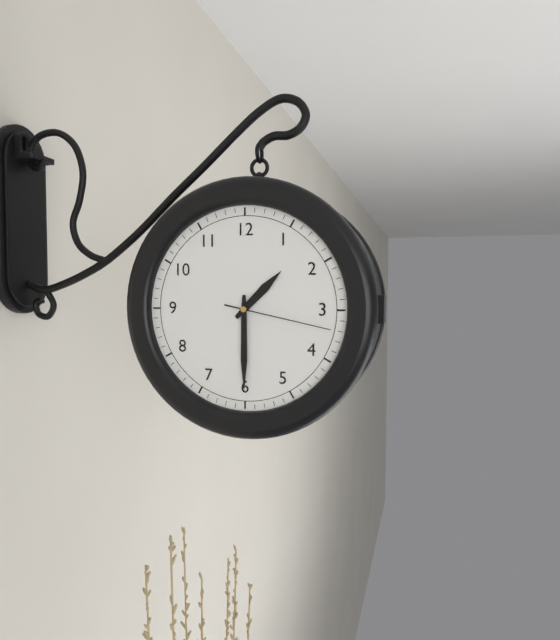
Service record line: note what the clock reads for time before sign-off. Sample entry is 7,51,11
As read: 1,30,17
